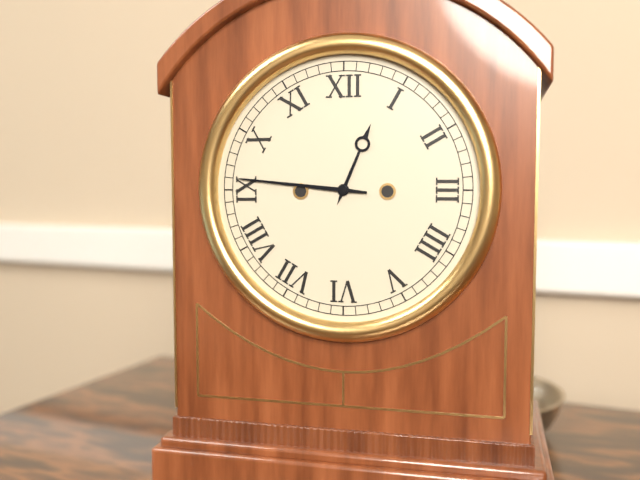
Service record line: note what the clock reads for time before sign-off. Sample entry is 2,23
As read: 12,46
